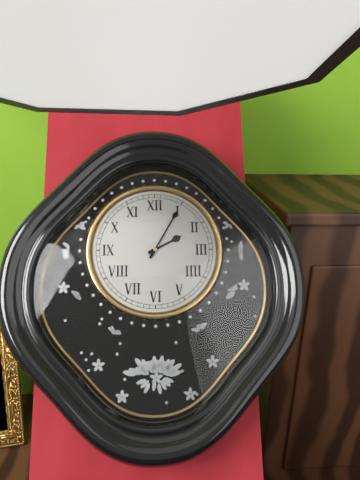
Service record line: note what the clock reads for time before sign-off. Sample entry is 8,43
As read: 2,05
